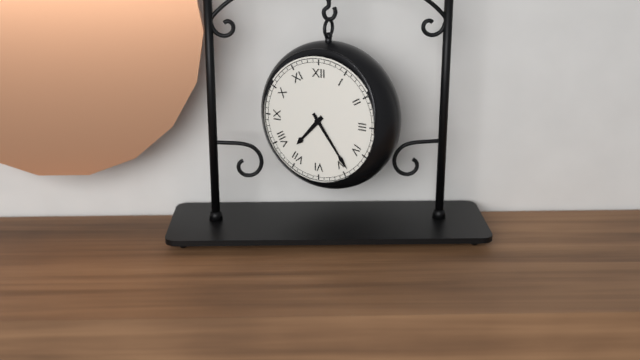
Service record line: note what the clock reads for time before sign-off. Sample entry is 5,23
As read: 7,24
